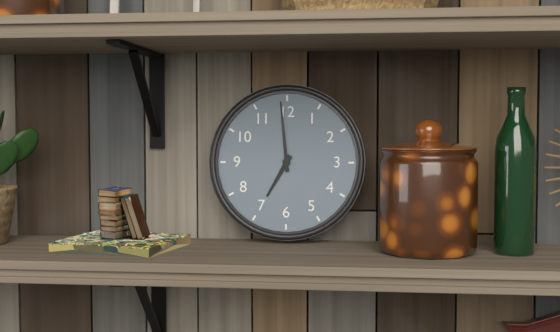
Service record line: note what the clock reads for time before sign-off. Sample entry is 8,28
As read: 6,59
